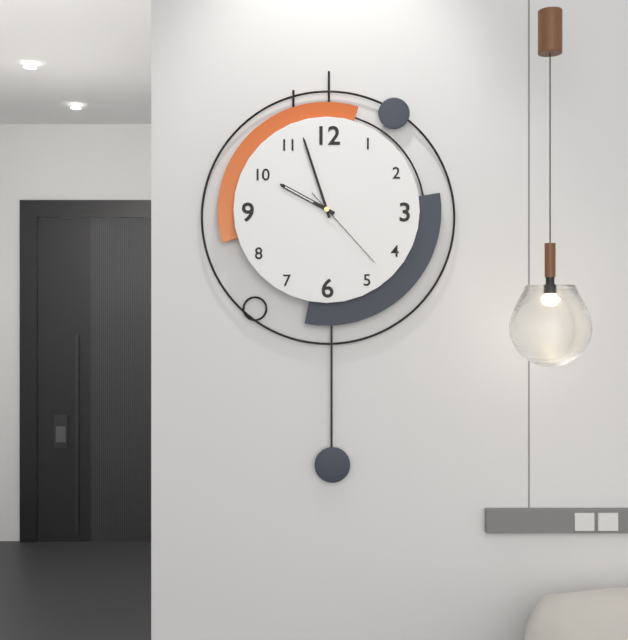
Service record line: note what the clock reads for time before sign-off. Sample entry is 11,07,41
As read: 9,57,23
